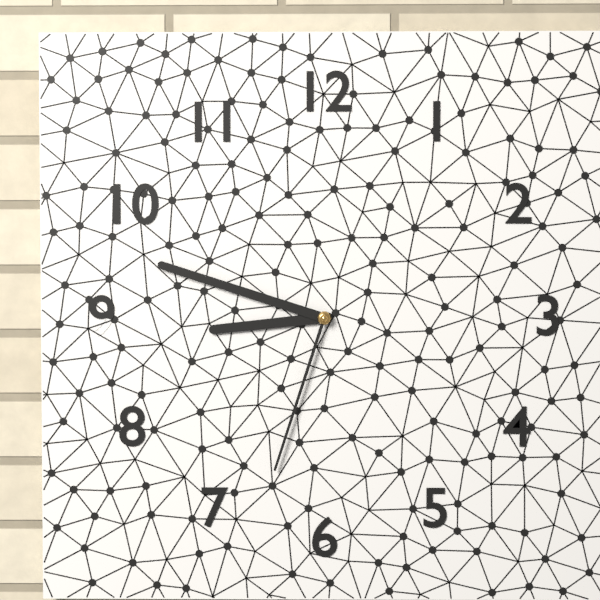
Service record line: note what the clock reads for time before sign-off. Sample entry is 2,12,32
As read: 8,48,33
